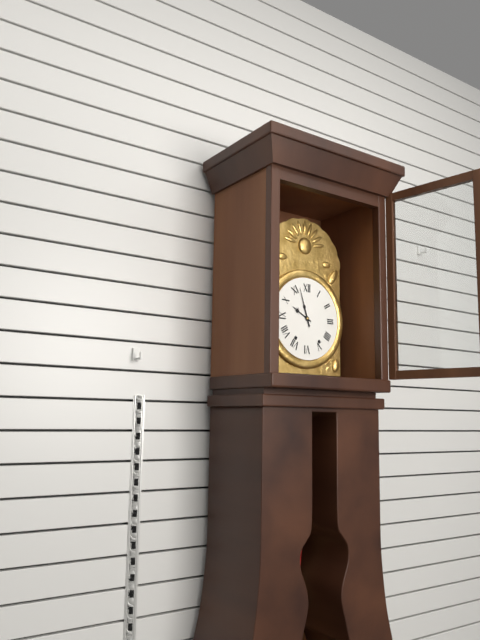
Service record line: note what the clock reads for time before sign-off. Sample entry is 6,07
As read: 9,57
